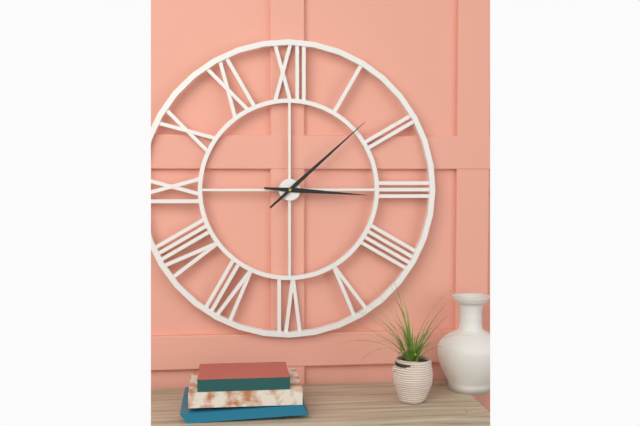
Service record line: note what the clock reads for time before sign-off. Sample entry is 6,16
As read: 3,08
